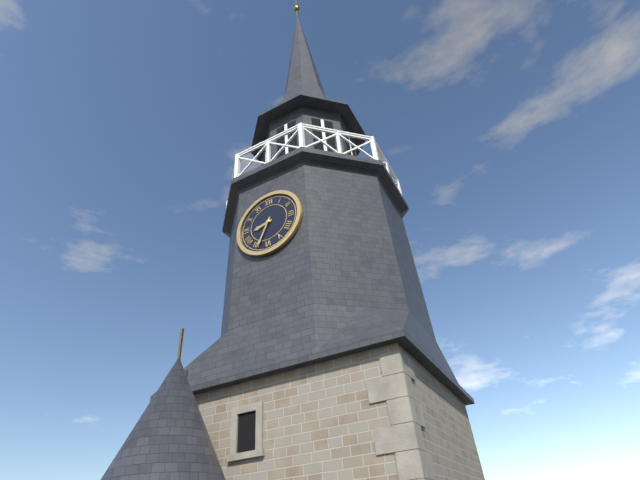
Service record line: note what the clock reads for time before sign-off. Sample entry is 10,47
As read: 8,34
